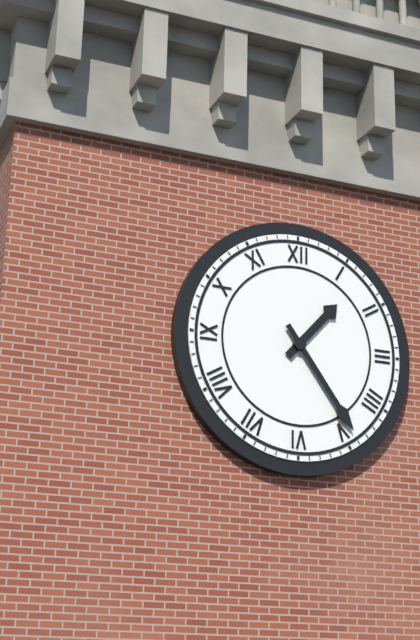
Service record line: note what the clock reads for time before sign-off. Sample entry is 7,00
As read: 1,24
